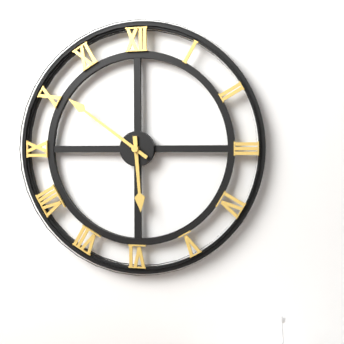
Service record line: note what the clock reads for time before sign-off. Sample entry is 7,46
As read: 5,51
